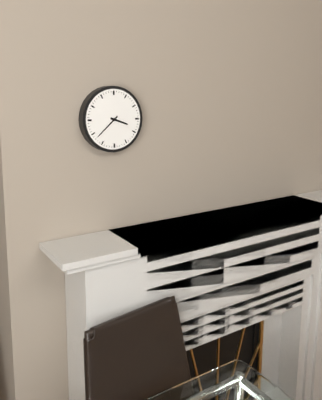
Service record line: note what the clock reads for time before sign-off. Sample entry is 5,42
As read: 3,38
